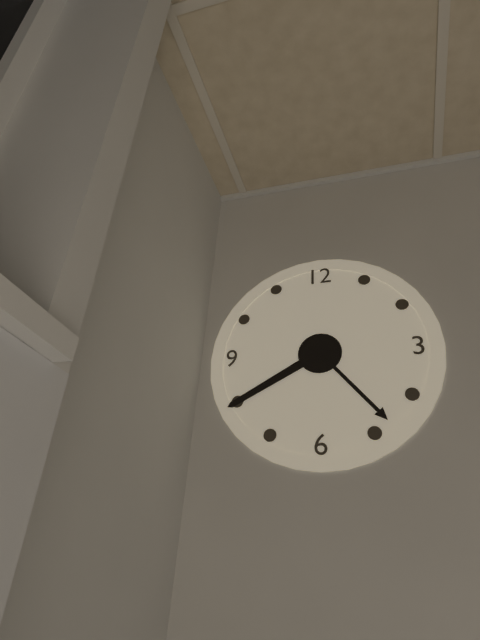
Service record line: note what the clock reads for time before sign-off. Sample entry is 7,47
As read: 4,40
